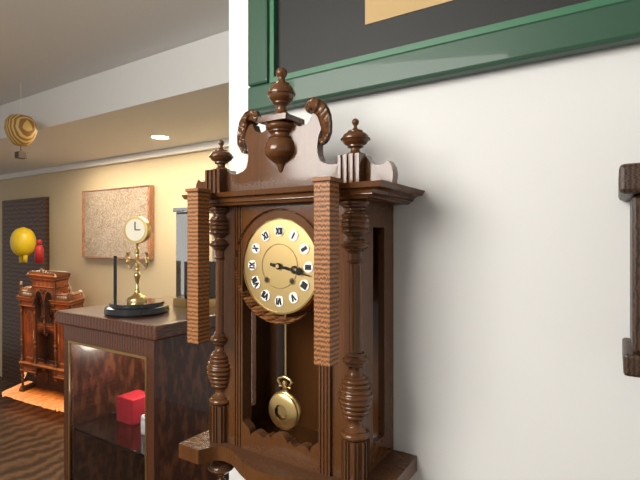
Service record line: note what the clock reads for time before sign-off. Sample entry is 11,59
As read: 3,17
